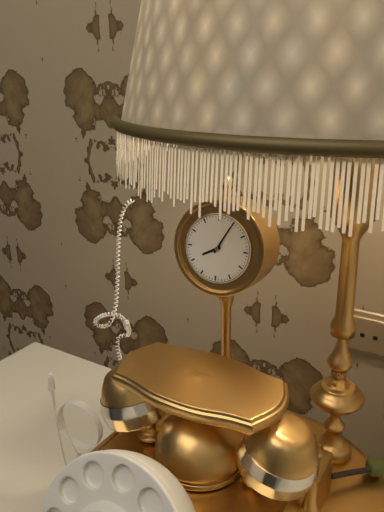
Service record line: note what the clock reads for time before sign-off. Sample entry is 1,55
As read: 8,05
